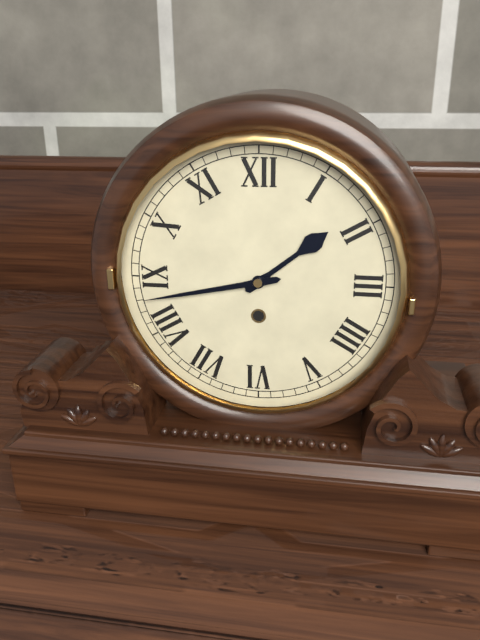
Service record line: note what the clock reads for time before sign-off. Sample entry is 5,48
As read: 1,43
